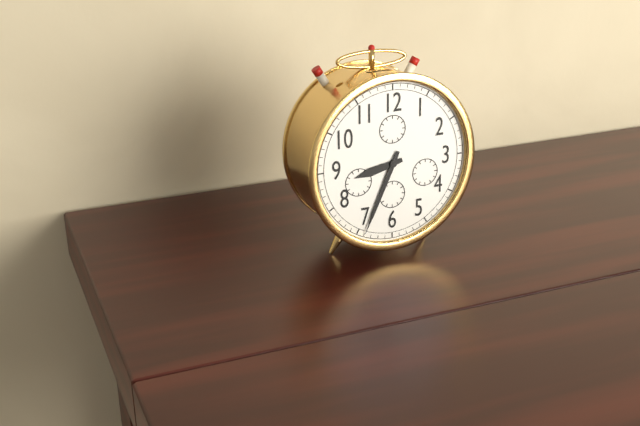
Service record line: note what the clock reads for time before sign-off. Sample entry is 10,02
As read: 8,34
